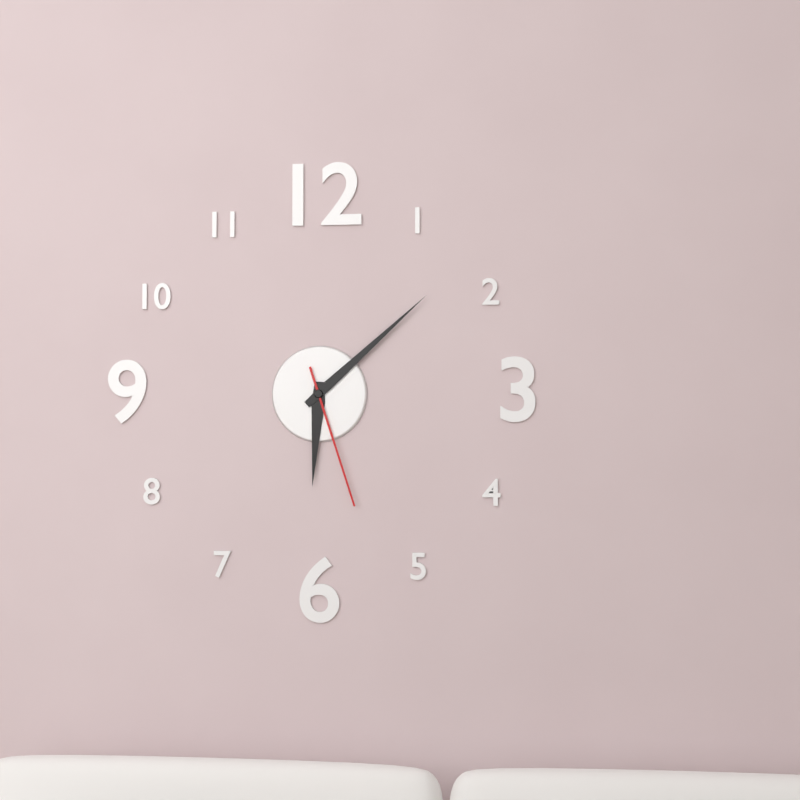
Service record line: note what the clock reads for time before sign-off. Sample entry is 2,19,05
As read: 6,08,27
